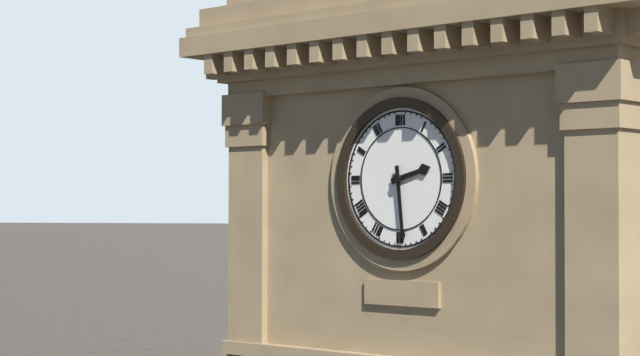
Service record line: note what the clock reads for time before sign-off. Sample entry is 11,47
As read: 2,29
